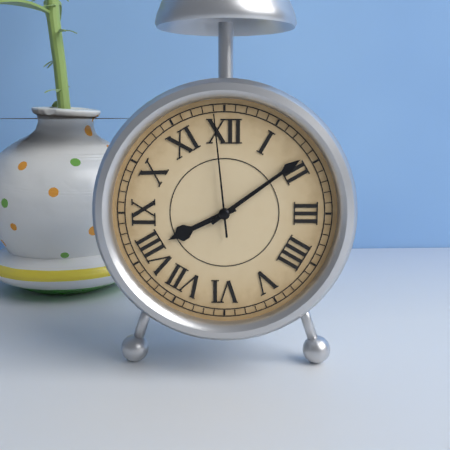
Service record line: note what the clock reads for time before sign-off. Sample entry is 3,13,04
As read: 8,09,59
